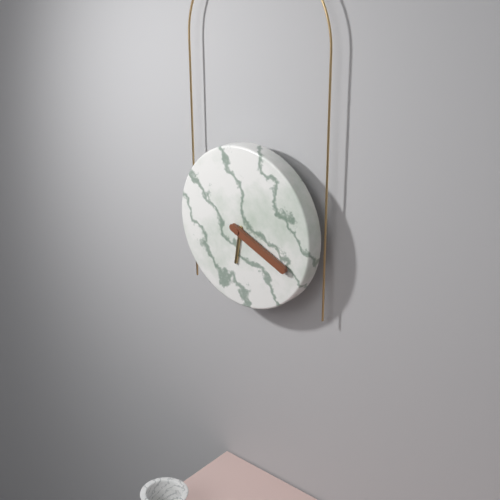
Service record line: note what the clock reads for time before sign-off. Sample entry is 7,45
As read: 6,19
